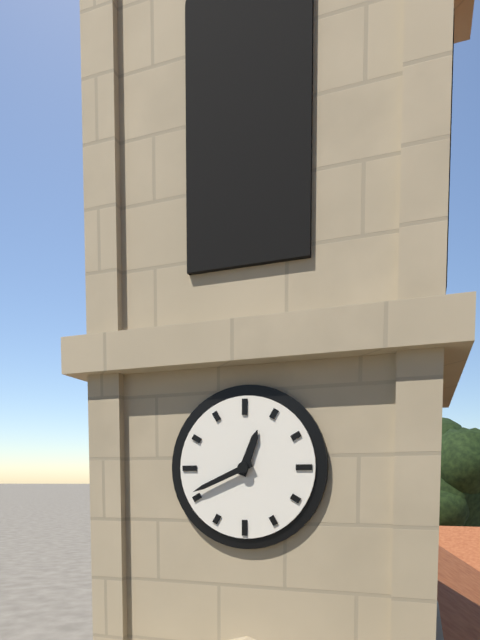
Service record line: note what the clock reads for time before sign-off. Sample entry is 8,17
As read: 12,41
